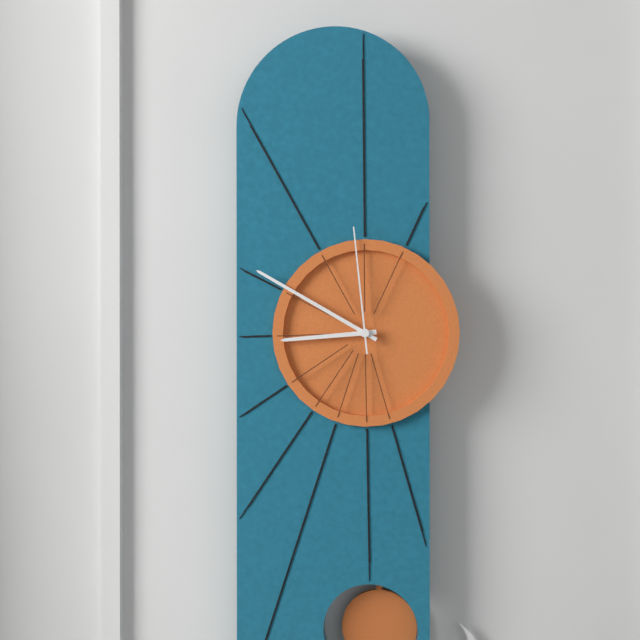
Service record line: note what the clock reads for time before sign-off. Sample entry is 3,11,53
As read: 8,50,59
